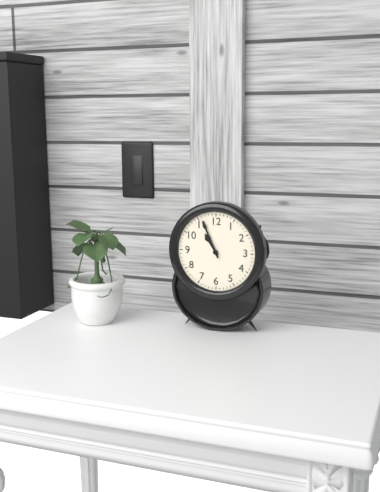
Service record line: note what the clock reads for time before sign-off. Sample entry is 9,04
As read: 10,56
